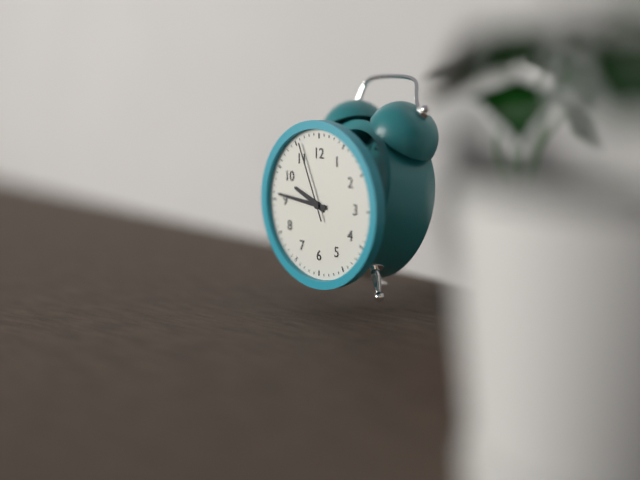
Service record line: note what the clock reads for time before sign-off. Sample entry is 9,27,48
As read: 9,46,56
